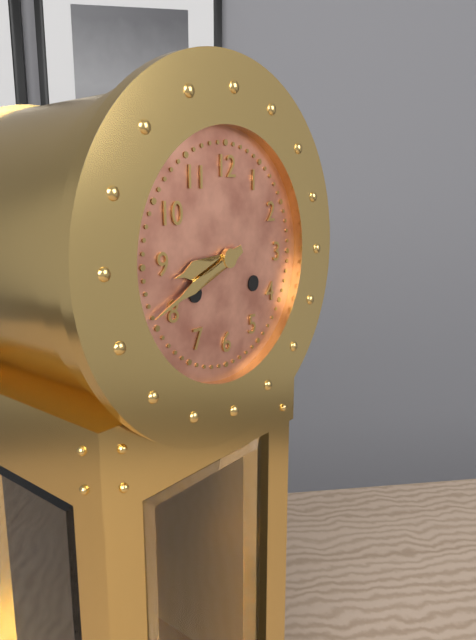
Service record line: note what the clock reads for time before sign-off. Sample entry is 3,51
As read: 8,41
